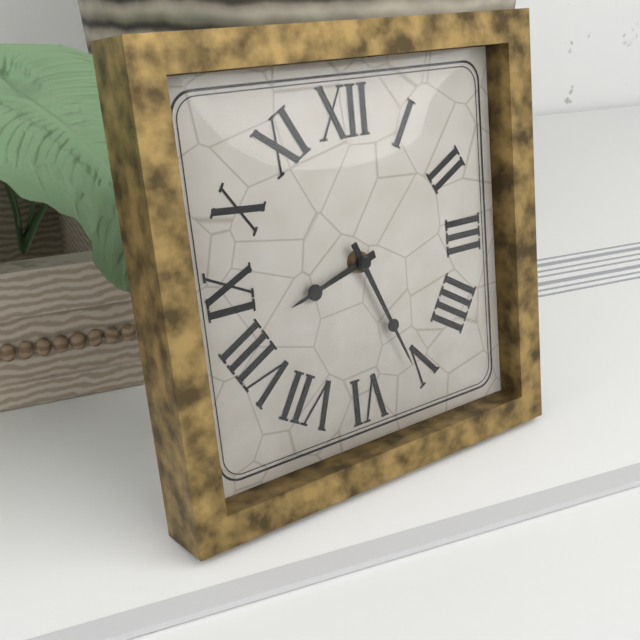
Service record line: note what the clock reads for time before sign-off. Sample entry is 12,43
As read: 8,26
